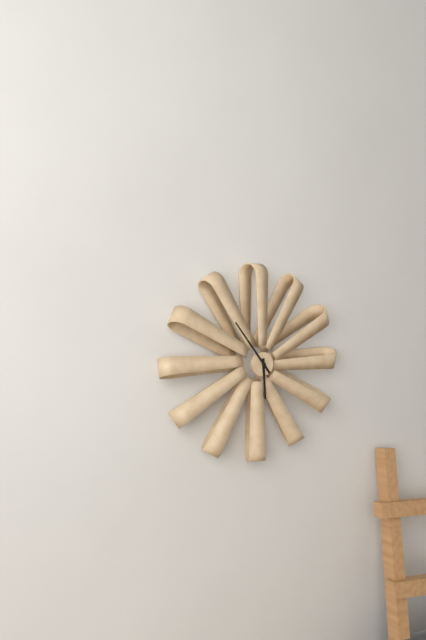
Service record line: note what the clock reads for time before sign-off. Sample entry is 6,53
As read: 5,54
